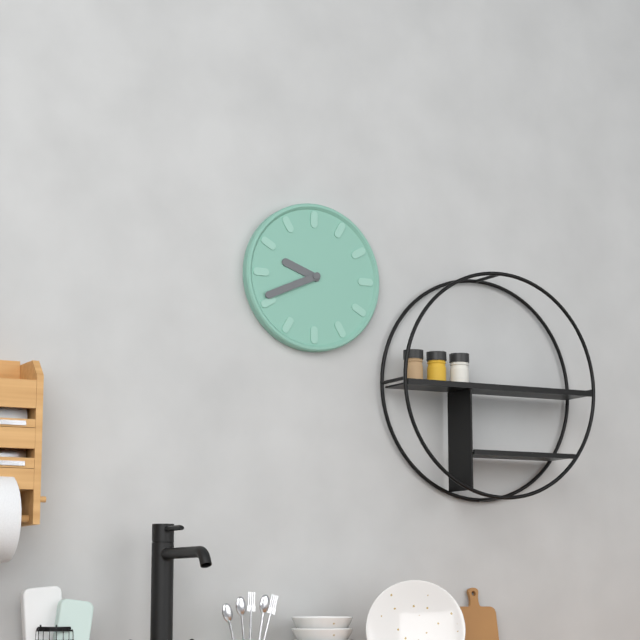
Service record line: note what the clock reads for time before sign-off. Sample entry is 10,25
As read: 9,41
